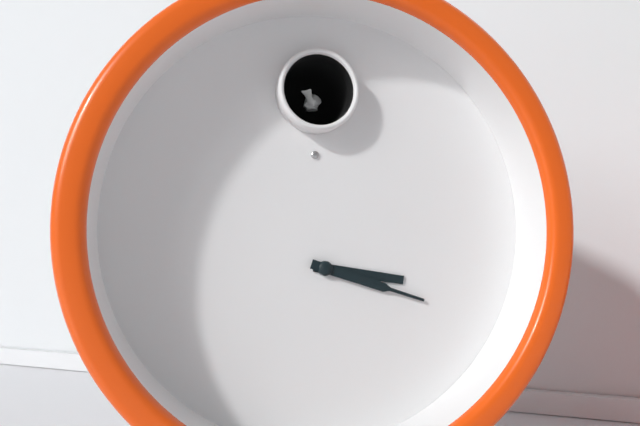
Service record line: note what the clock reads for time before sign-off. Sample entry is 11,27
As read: 3,18
